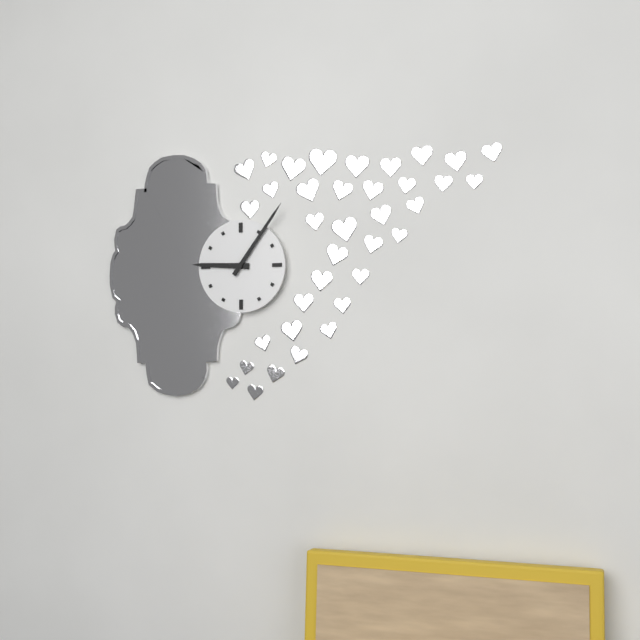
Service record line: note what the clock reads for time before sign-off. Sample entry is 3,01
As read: 9,06
